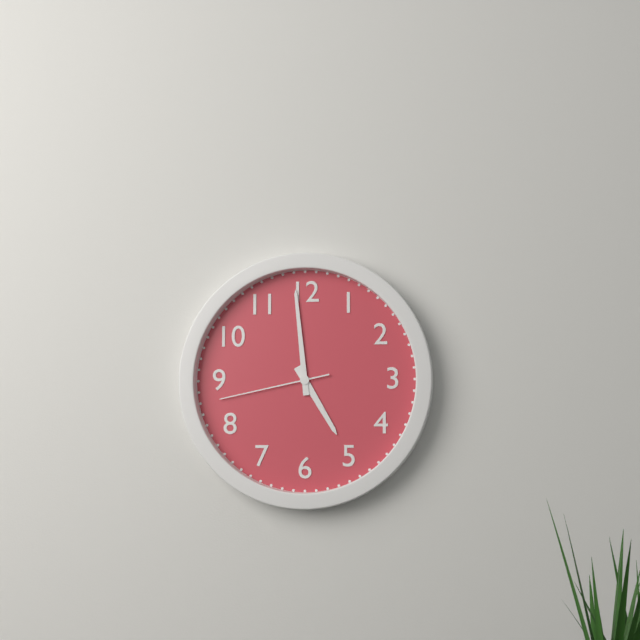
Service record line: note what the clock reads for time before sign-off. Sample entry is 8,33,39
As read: 4,59,43
